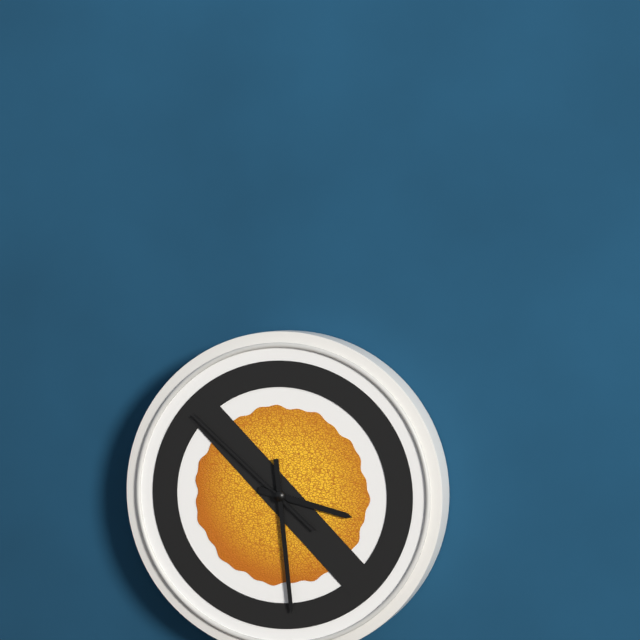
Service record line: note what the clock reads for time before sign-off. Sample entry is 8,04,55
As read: 3,29,52
